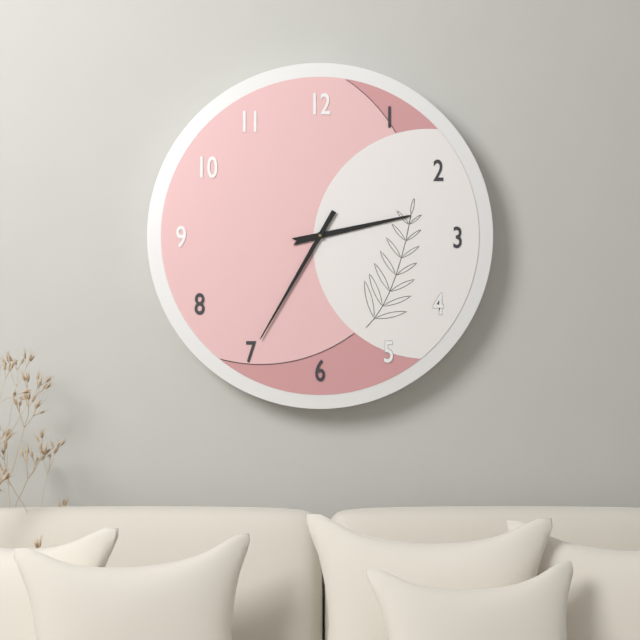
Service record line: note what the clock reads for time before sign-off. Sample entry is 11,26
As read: 2,35
